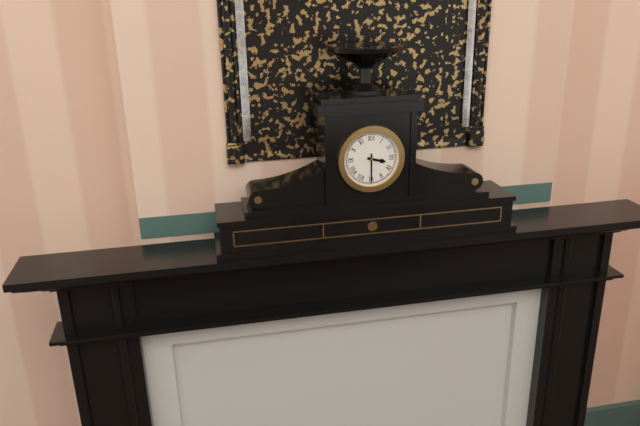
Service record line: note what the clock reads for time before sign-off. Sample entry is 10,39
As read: 3,30
